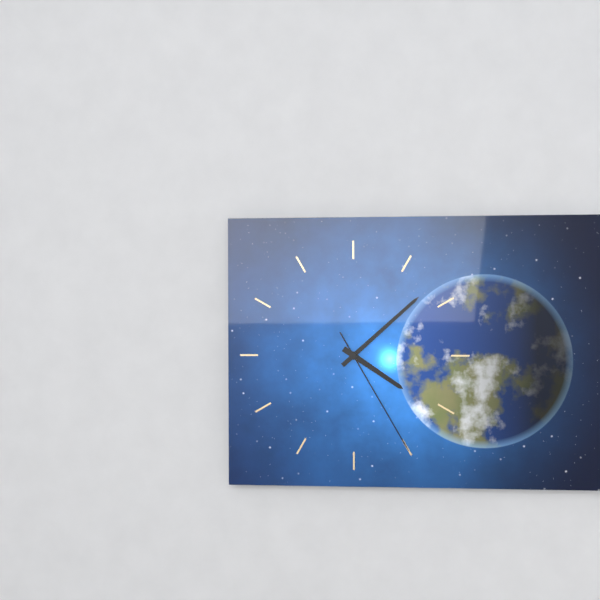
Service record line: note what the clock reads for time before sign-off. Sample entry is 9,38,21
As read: 4,08,25
